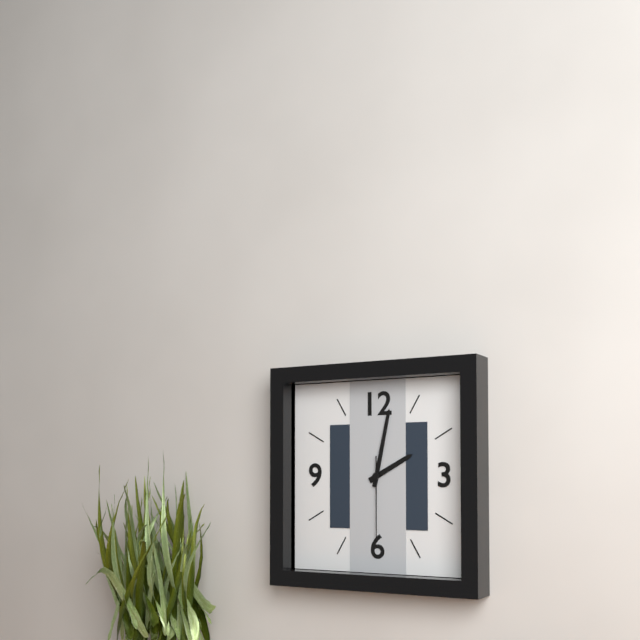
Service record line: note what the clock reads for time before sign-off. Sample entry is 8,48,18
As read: 2,02,30
